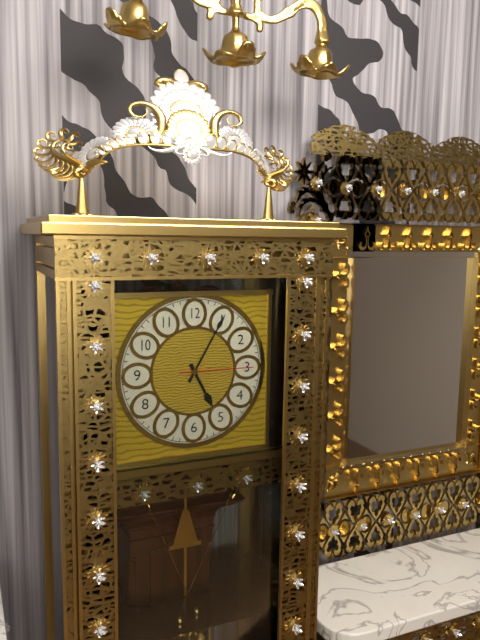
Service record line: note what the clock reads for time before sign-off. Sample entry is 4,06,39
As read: 5,05,15
